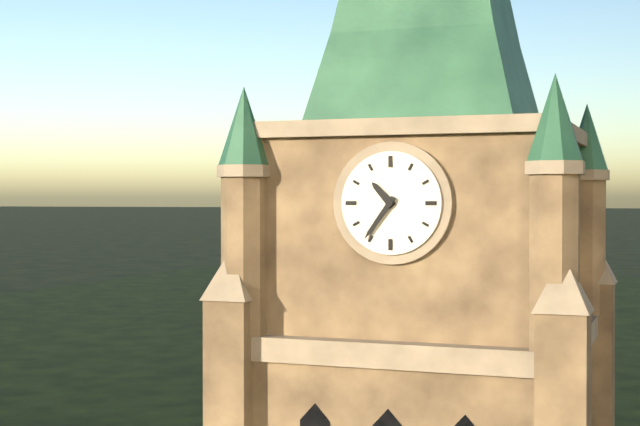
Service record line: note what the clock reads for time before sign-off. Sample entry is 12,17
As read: 10,36
